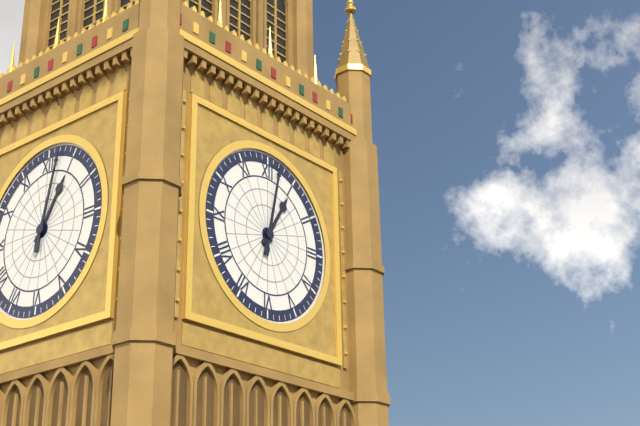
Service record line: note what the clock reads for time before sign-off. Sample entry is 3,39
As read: 1,02
